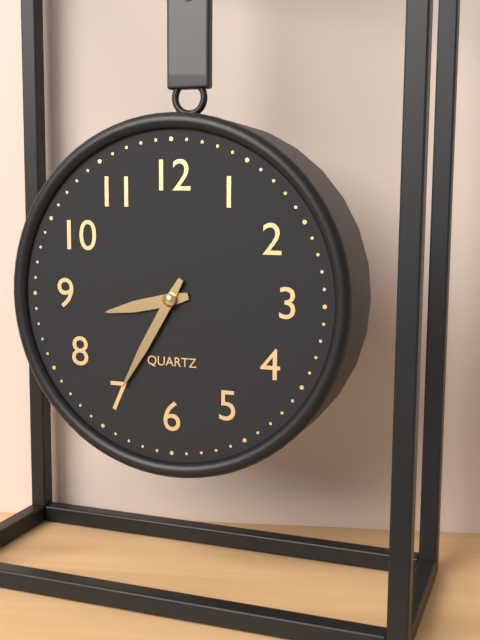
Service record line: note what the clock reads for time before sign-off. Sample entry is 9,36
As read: 8,35
